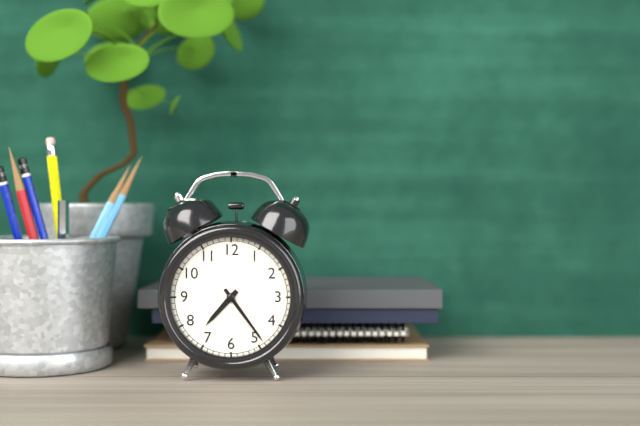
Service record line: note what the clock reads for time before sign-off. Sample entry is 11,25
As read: 7,24
